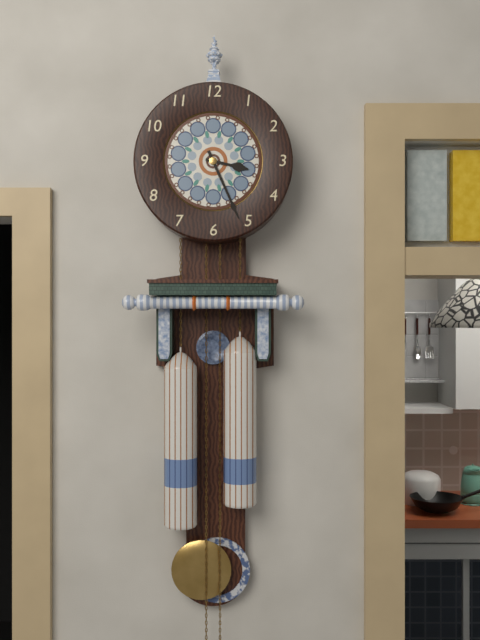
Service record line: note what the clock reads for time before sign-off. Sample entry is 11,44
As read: 3,26
